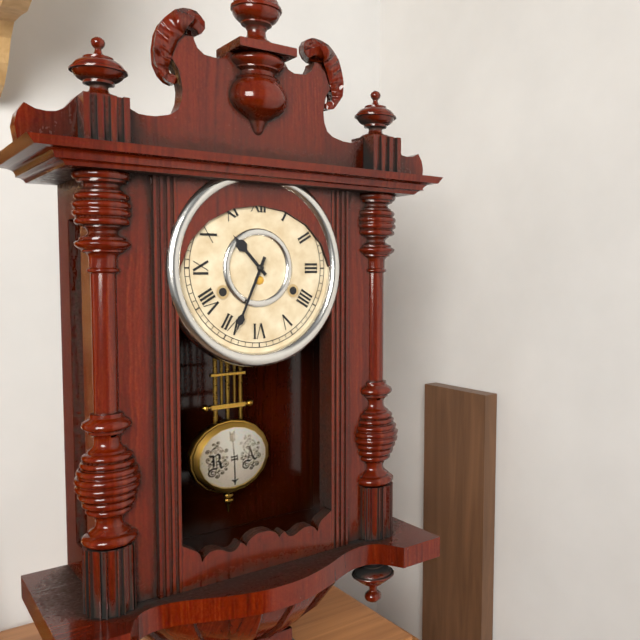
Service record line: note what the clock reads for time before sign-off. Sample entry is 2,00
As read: 10,34
